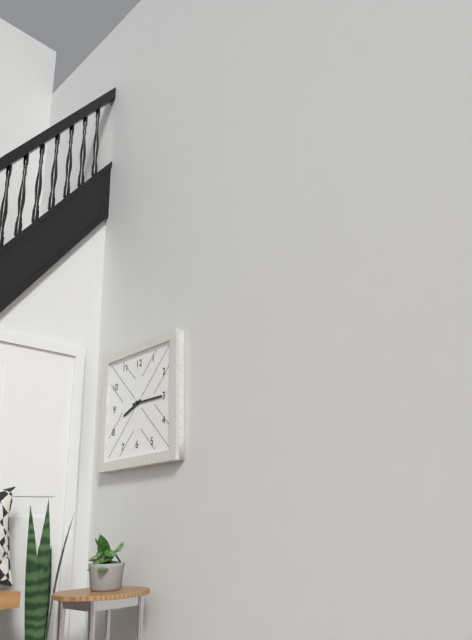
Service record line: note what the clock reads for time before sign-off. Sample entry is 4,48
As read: 8,15
